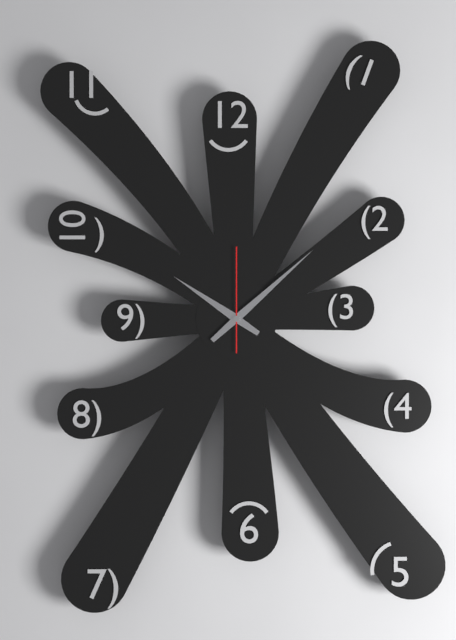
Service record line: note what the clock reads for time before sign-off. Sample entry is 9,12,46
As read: 10,08,00
